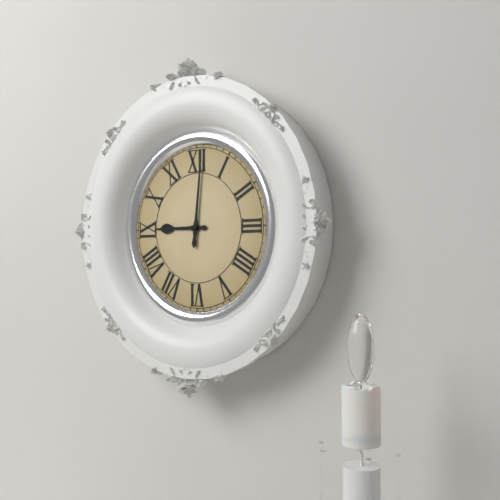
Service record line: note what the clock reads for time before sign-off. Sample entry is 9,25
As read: 9,01
